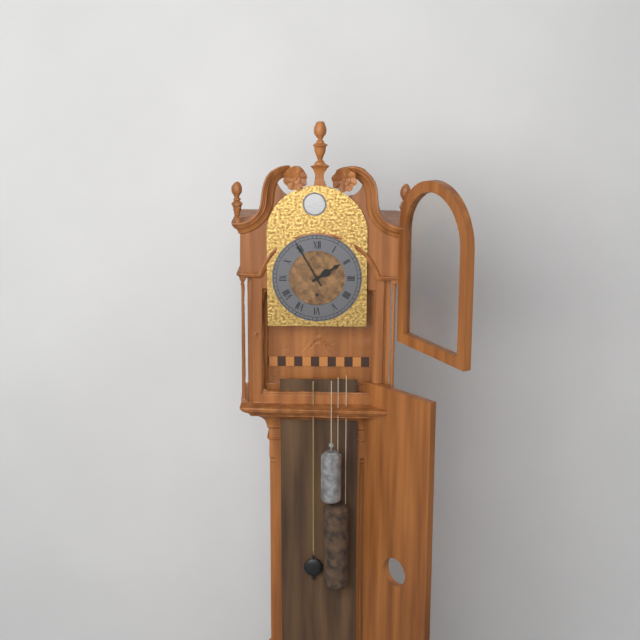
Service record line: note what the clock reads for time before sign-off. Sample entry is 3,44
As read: 1,55
